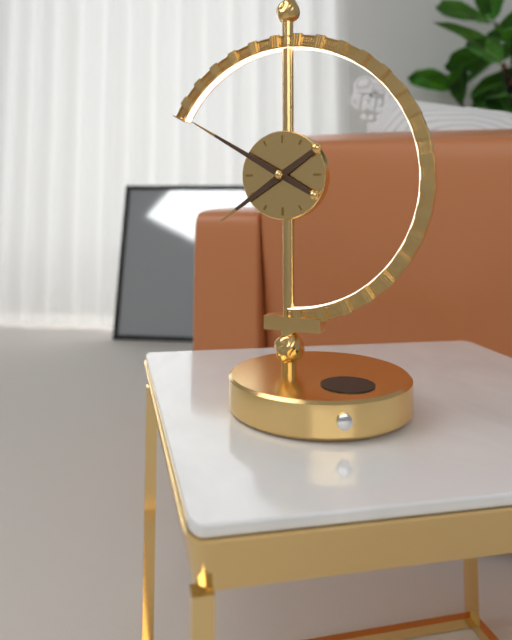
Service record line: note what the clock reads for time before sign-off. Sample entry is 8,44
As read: 7,50
